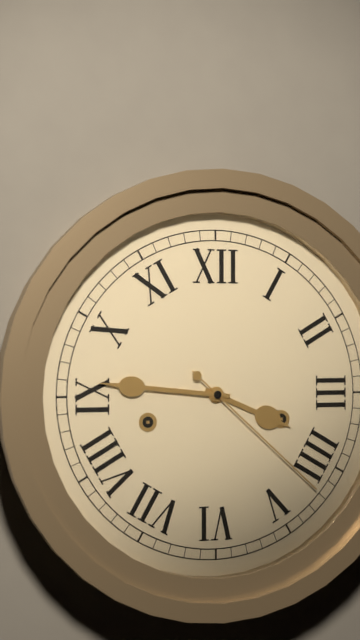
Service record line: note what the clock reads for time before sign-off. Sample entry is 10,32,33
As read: 3,46,22
